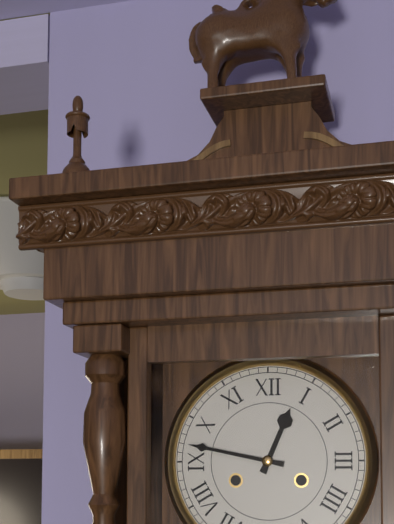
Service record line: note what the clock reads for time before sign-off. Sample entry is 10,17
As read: 12,47
